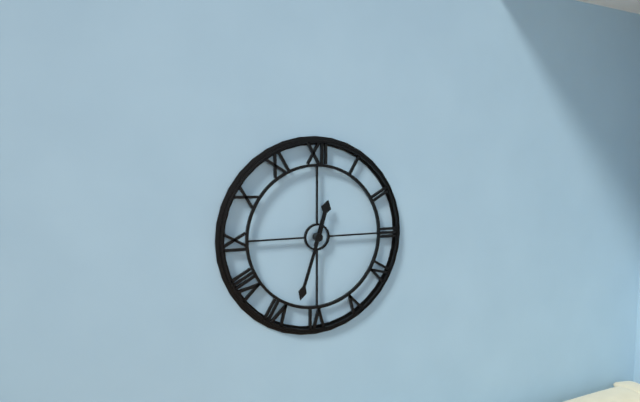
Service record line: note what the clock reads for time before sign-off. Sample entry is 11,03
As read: 12,33
